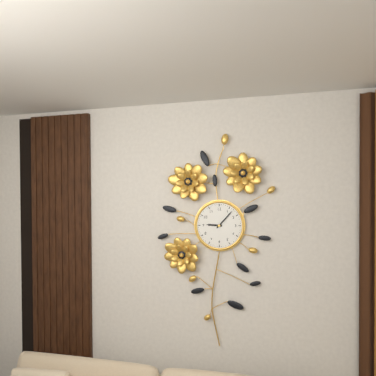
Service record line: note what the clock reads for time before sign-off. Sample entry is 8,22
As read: 9,07
